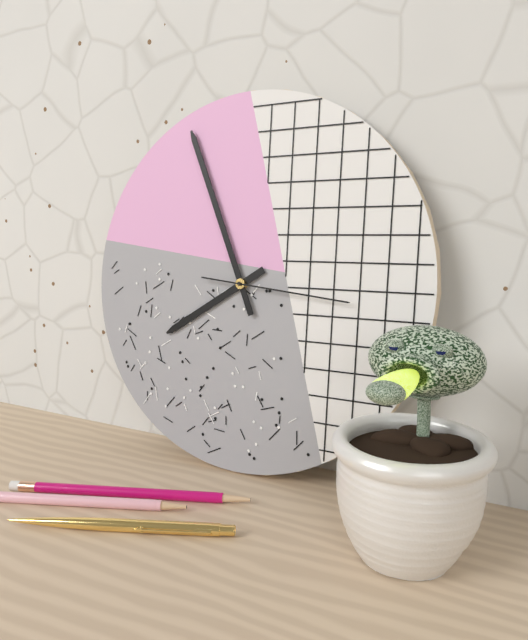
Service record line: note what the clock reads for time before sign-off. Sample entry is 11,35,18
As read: 7,56,16
